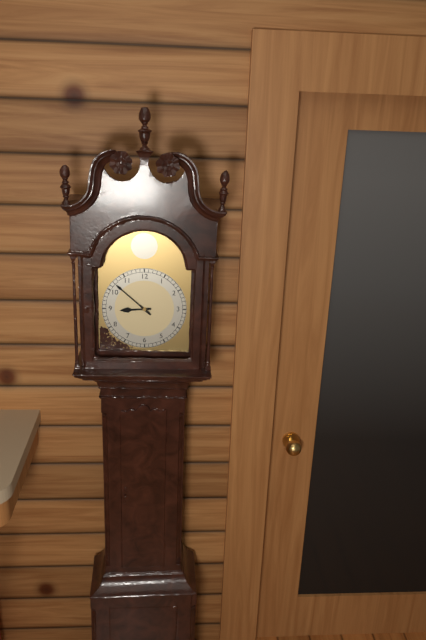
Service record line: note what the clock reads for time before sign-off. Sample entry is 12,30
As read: 8,52
